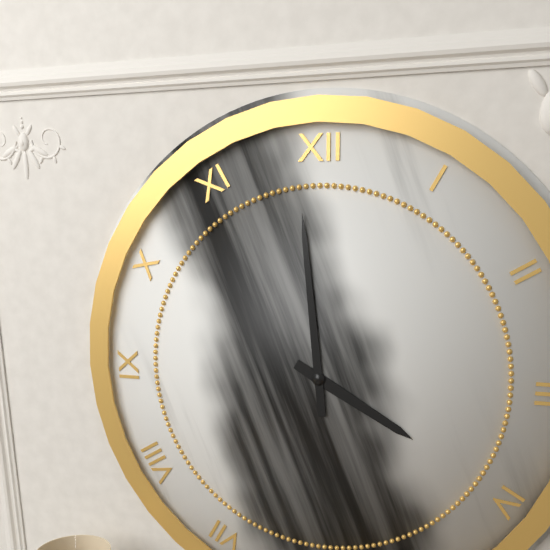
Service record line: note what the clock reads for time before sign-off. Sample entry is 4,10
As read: 3,59
